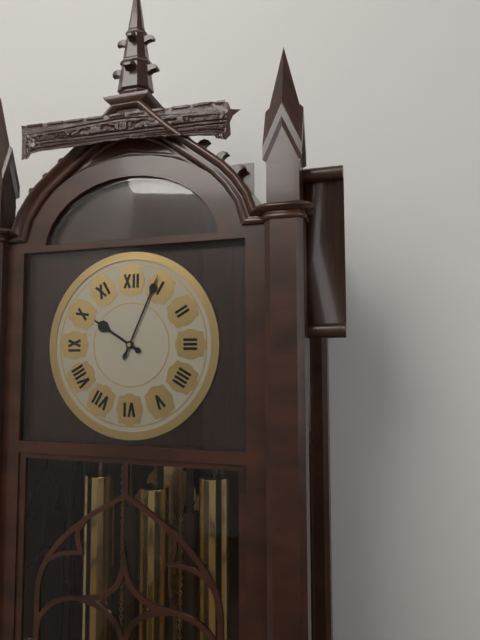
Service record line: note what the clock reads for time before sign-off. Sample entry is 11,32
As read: 10,04
